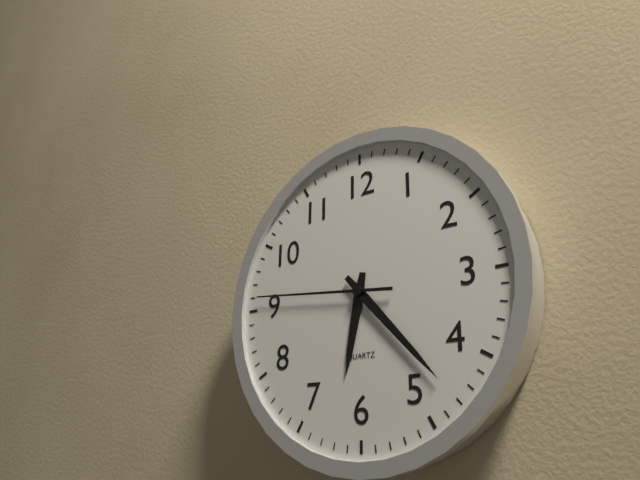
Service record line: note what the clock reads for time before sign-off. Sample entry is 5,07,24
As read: 6,23,46
